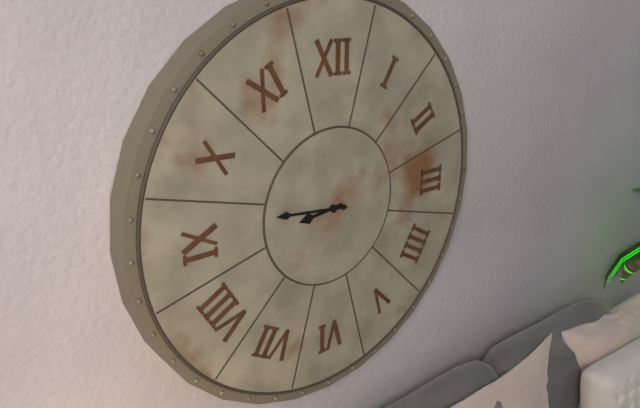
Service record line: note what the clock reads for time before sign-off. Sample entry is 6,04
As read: 8,46
